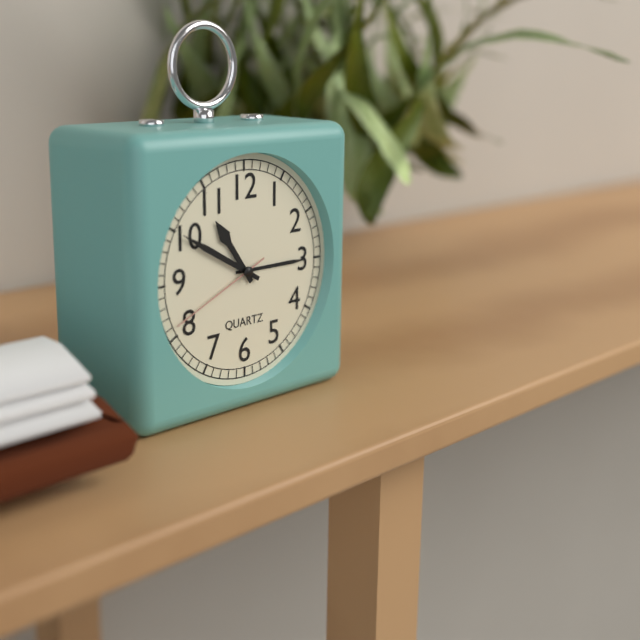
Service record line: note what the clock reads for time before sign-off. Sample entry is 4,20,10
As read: 10,50,41
